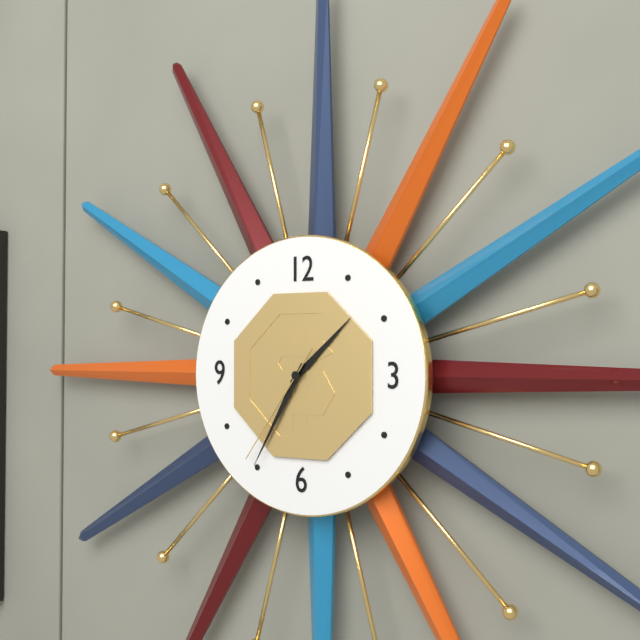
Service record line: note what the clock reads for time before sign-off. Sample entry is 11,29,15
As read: 1,35,36
